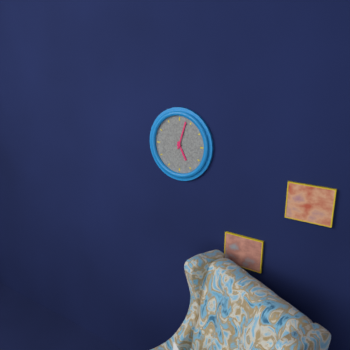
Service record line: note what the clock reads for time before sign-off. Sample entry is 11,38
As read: 5,03
